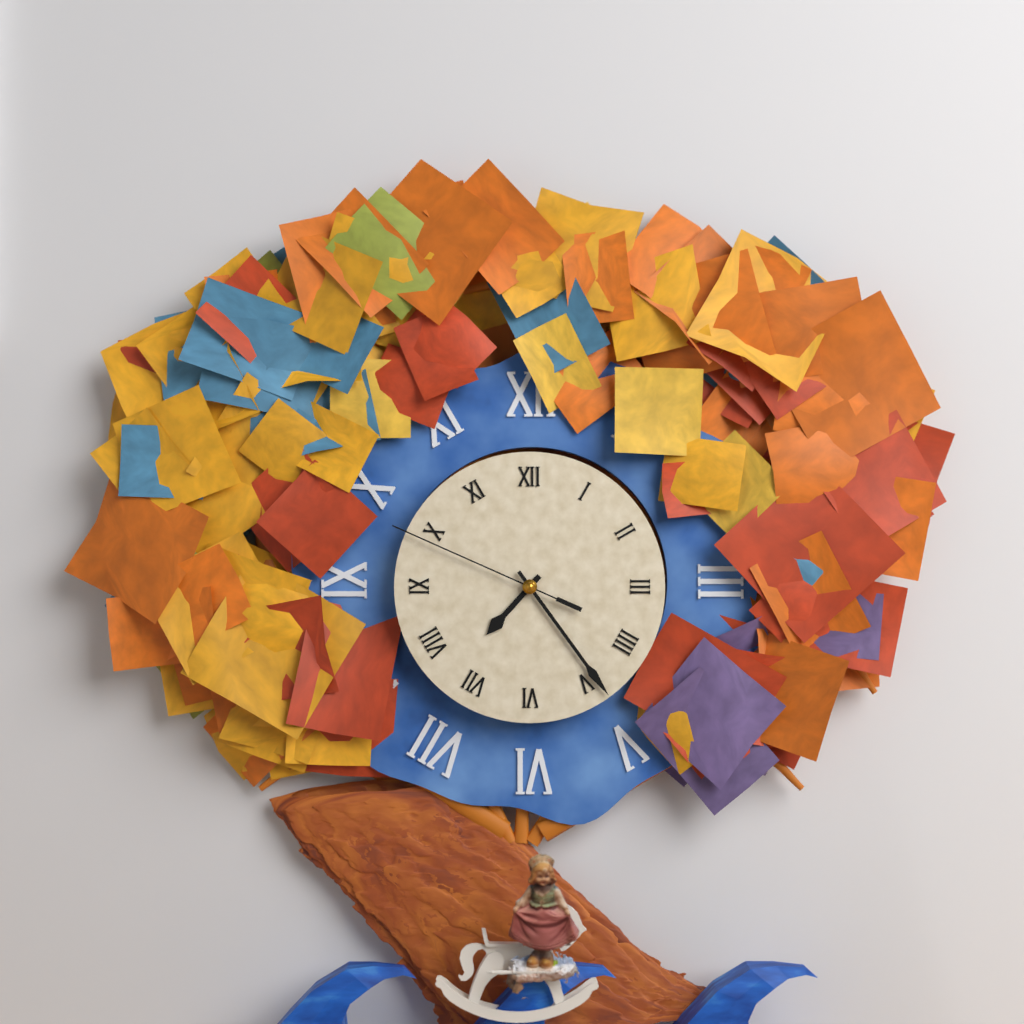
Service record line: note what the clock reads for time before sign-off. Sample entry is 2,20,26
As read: 7,24,49
